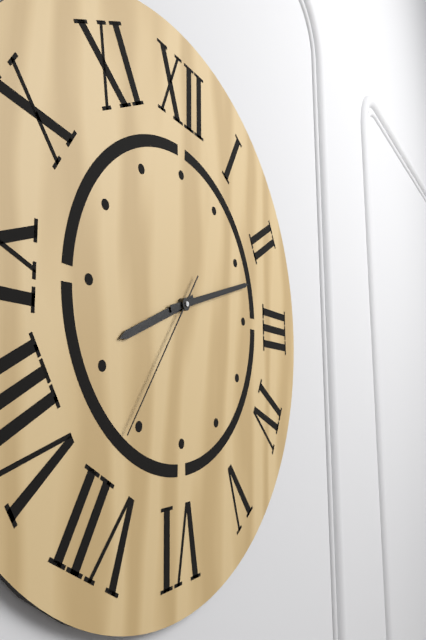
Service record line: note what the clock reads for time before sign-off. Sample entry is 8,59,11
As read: 8,12,36
